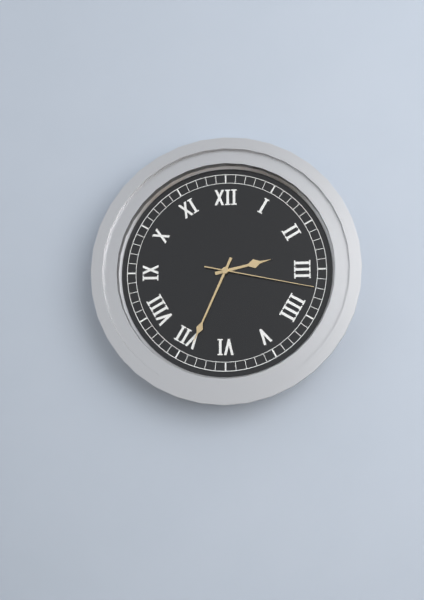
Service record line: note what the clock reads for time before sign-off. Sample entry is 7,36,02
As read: 2,34,17
